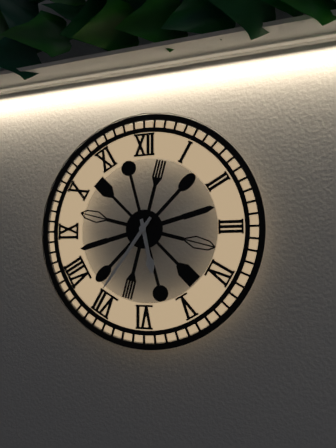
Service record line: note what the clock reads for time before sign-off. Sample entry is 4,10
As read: 5,36
